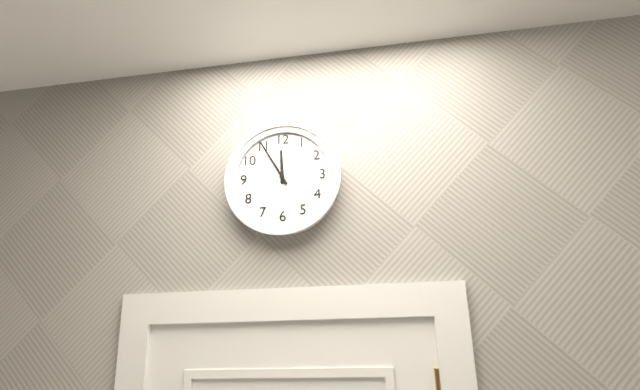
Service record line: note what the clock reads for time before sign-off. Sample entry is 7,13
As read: 11,55
